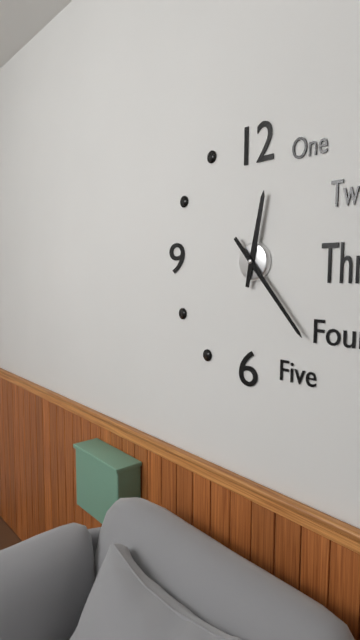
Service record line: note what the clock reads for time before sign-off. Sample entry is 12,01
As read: 12,23
